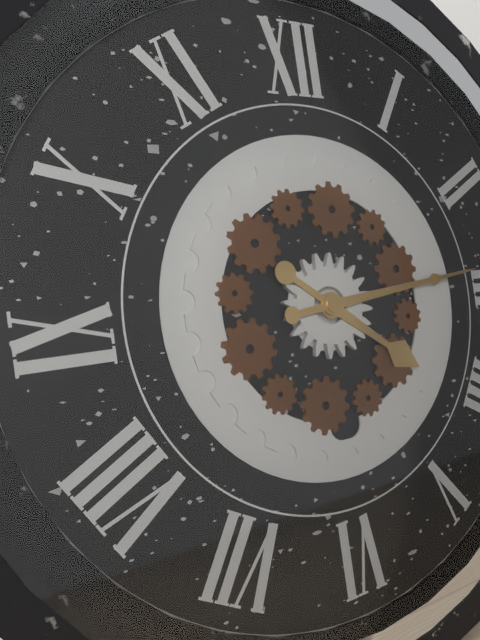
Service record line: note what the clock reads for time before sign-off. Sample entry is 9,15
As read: 4,14
